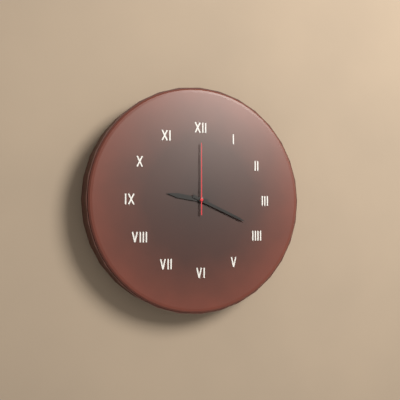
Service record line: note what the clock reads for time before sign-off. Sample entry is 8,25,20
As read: 9,19,00
